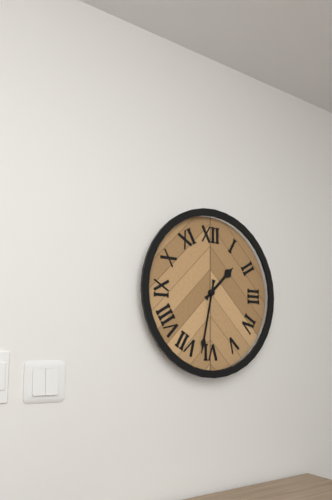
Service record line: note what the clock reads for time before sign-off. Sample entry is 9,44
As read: 1,32
